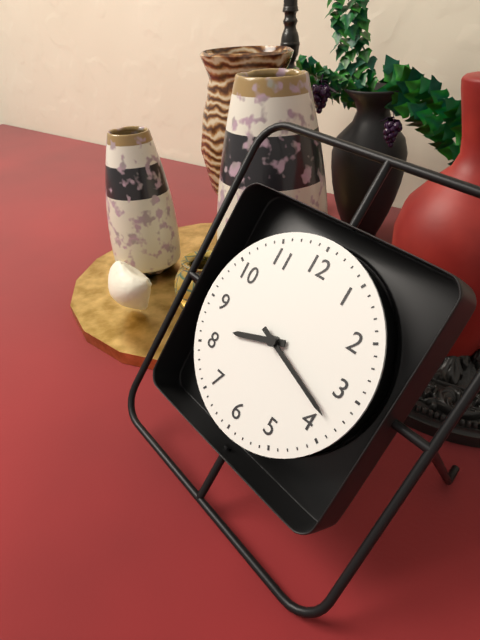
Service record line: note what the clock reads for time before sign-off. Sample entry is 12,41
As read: 8,18
